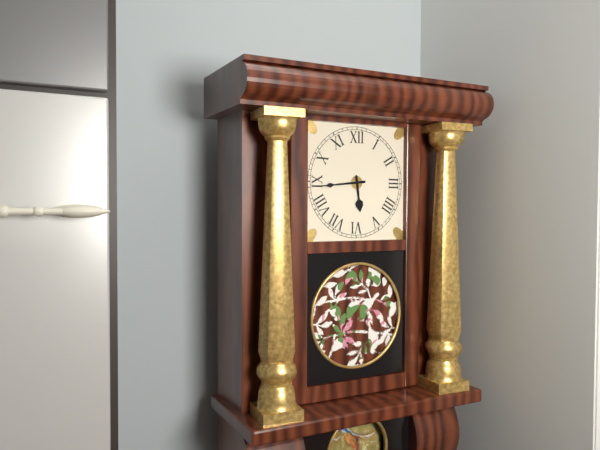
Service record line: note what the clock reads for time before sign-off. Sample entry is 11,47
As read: 5,44
